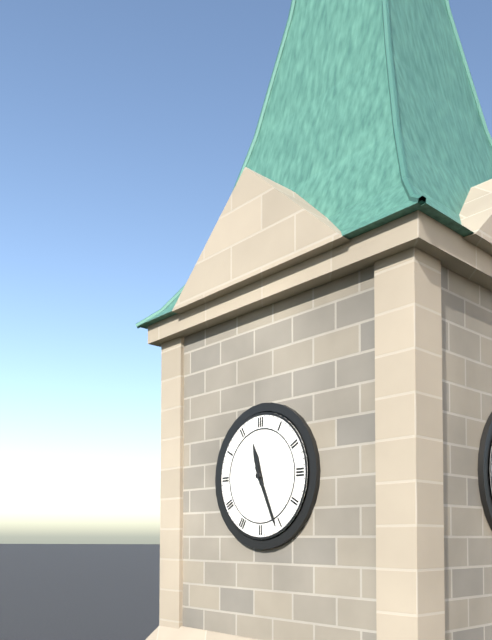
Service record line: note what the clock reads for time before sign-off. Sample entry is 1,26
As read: 11,26
